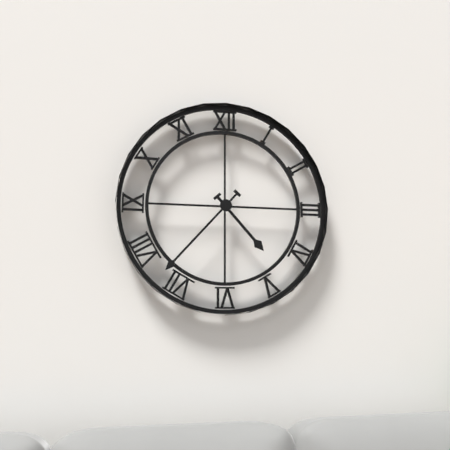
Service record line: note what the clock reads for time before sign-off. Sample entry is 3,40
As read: 4,37
